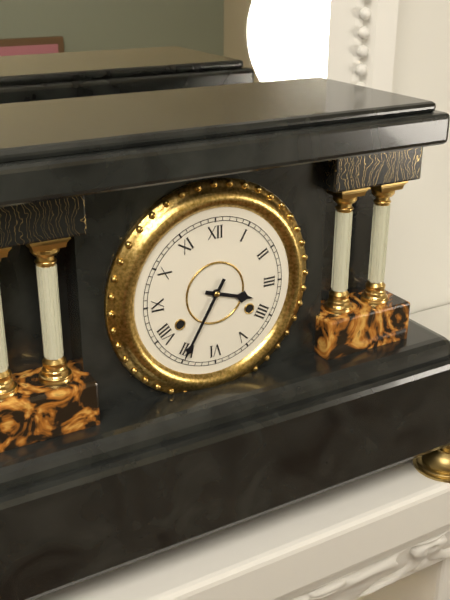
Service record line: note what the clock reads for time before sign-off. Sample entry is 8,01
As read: 3,35
